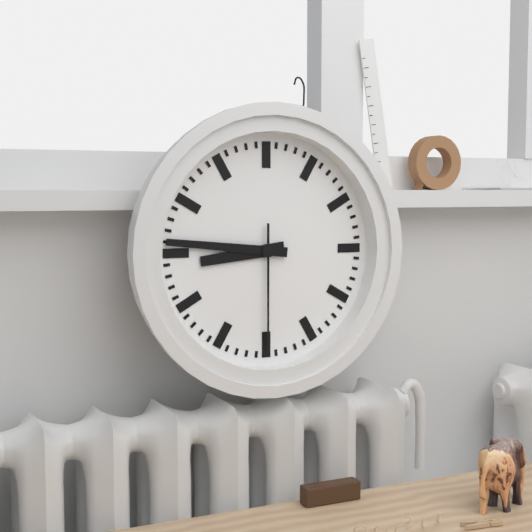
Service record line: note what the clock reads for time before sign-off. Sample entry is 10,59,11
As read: 8,46,30
